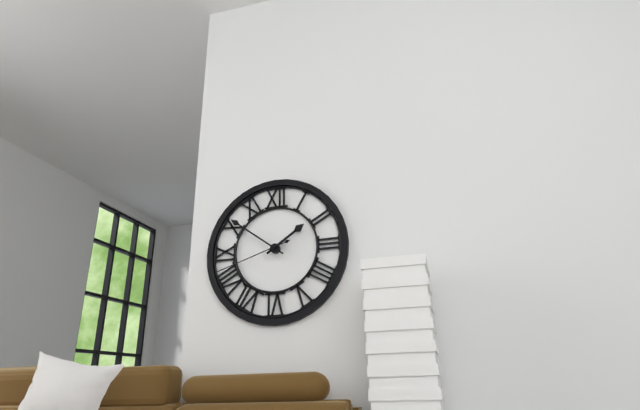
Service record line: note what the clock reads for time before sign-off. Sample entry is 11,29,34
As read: 1,51,42
